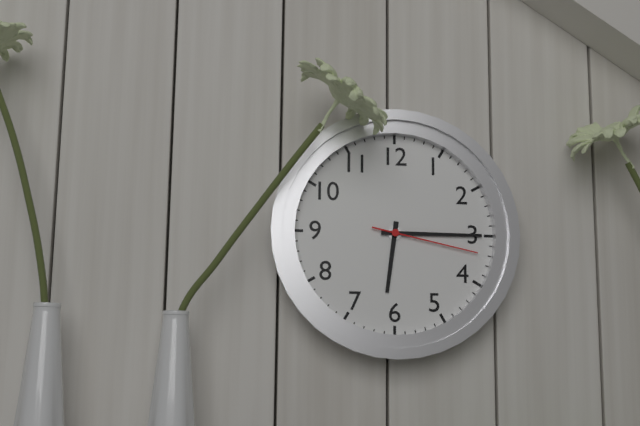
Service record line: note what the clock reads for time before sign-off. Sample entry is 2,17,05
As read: 6,15,17
